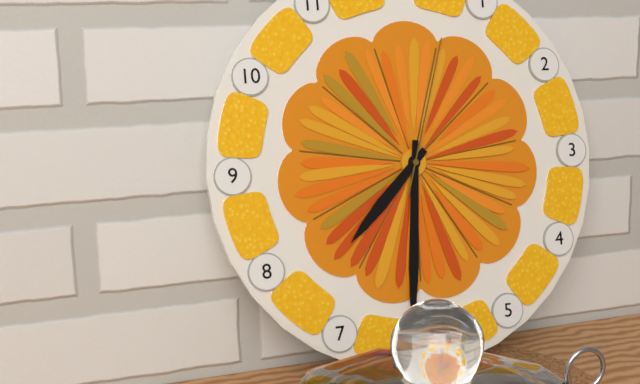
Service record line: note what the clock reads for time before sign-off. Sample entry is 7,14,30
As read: 7,31,03
